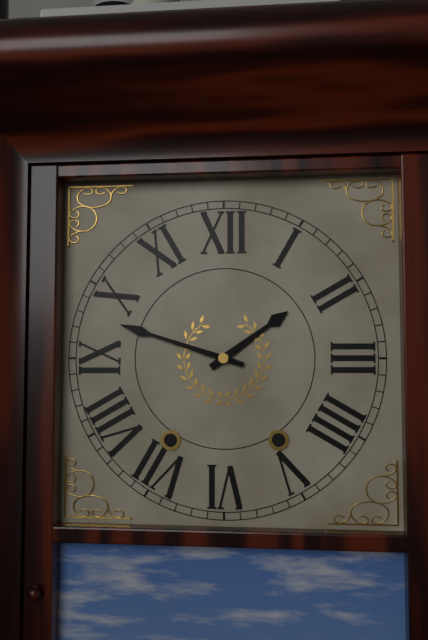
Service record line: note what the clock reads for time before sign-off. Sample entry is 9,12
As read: 1,48
